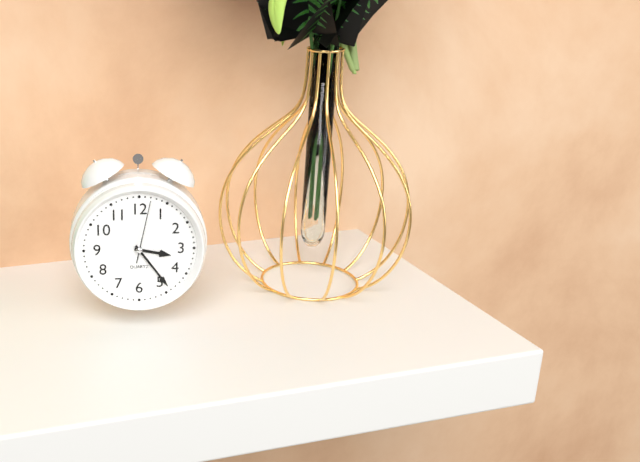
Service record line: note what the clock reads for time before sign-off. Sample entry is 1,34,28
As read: 3,24,02
